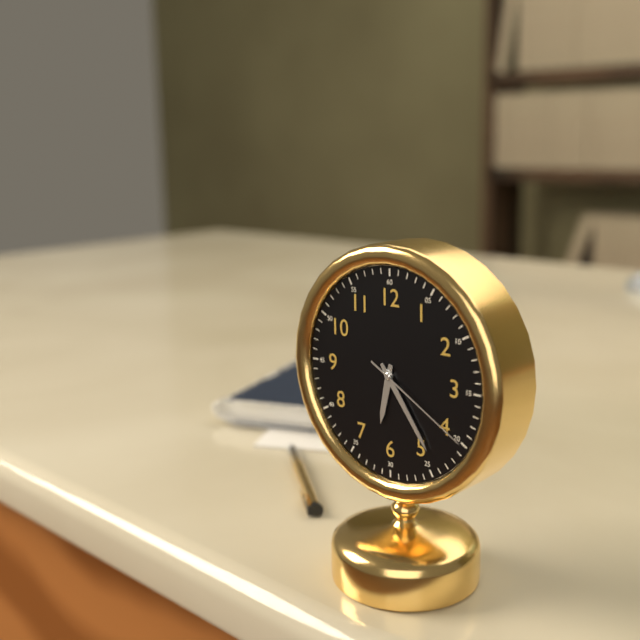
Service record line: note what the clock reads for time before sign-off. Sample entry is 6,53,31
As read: 6,24,20
